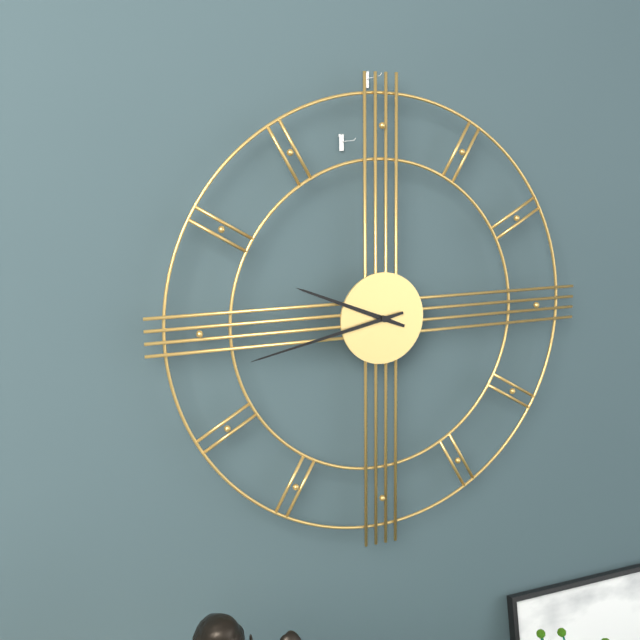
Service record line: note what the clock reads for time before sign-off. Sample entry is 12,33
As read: 9,43
